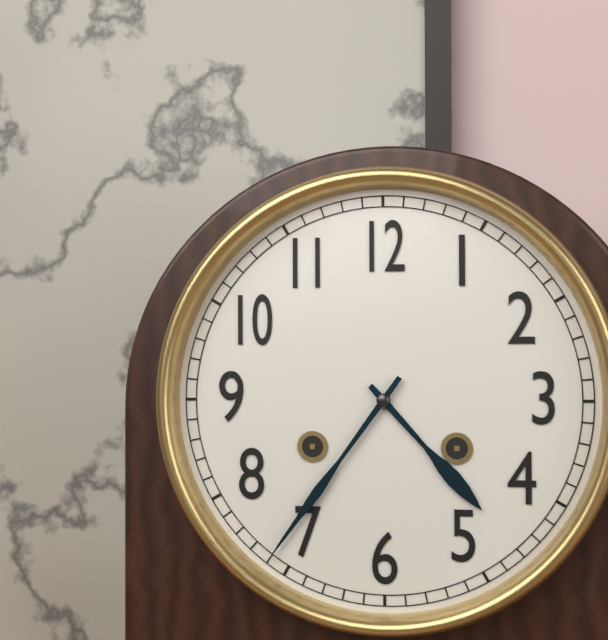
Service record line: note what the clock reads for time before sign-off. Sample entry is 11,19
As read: 4,36
